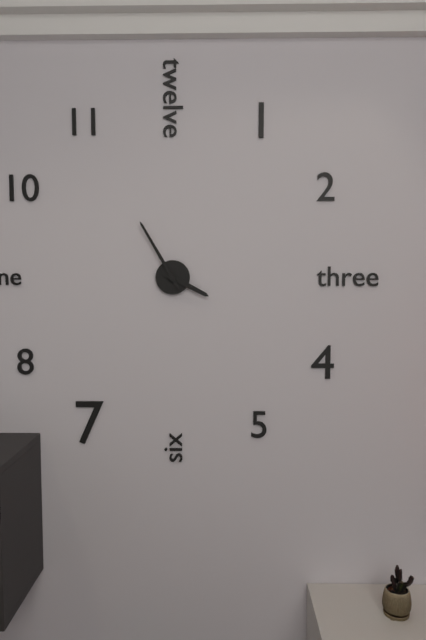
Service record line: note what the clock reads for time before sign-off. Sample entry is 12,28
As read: 3,55
